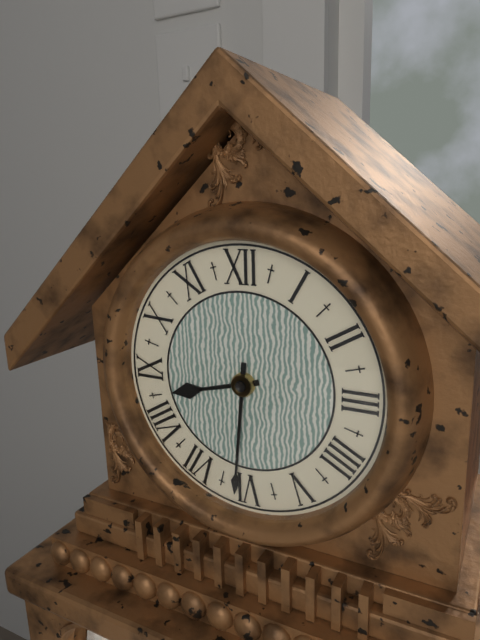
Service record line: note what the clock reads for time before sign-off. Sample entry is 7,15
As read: 8,31
